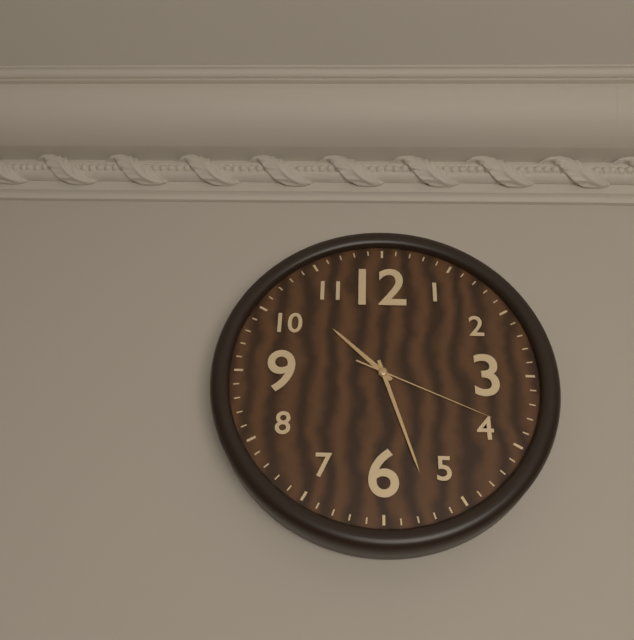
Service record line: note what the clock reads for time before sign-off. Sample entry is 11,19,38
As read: 10,27,19
